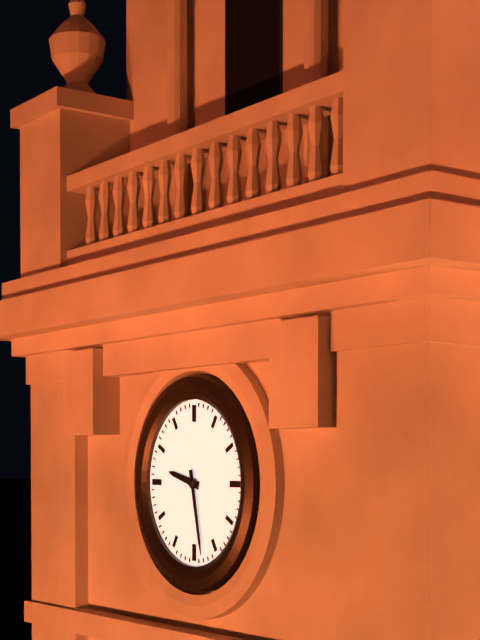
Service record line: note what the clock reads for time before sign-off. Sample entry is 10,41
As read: 9,28
